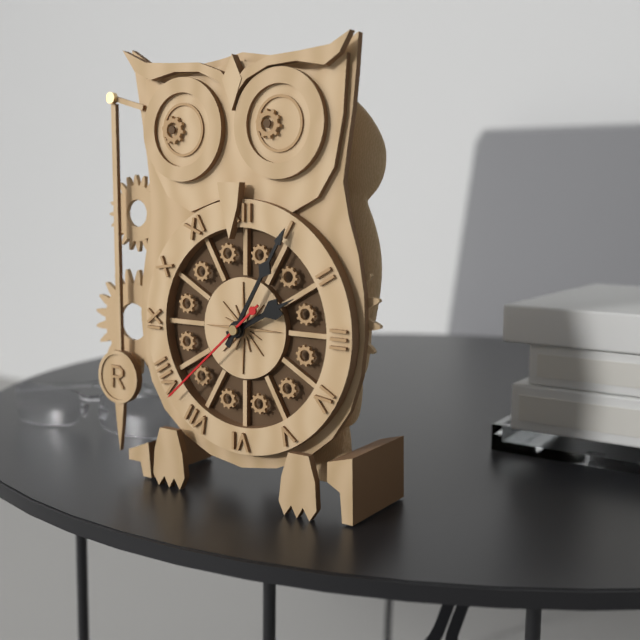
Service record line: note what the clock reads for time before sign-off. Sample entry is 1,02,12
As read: 2,05,38
